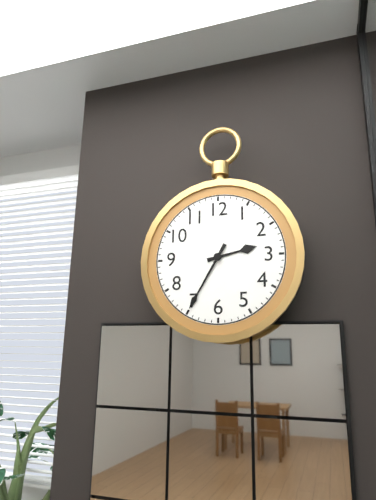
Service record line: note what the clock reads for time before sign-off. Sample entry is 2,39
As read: 2,35
